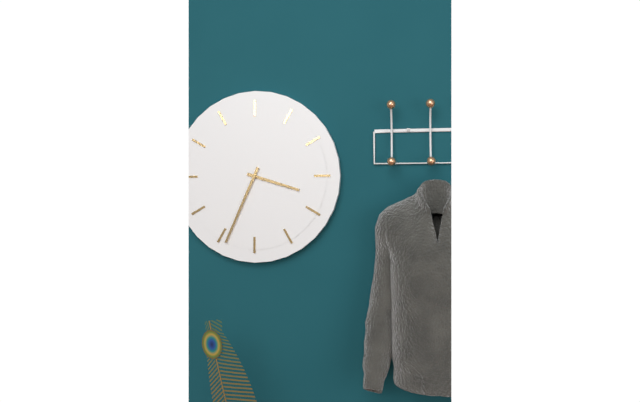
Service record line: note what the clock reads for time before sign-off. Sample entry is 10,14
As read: 3,34
